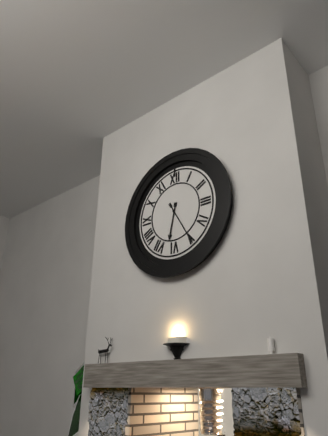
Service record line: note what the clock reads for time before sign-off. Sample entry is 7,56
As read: 6,25
